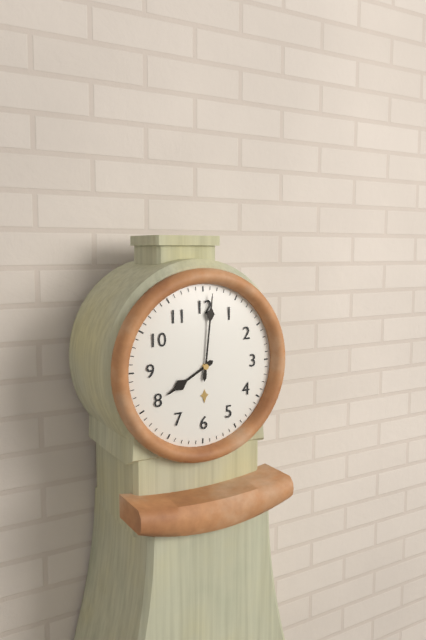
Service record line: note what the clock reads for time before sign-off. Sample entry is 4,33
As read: 8,01
